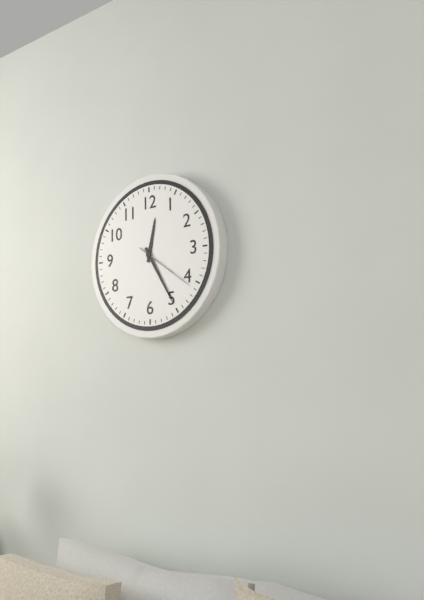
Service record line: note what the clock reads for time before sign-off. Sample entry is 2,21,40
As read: 12,25,21
